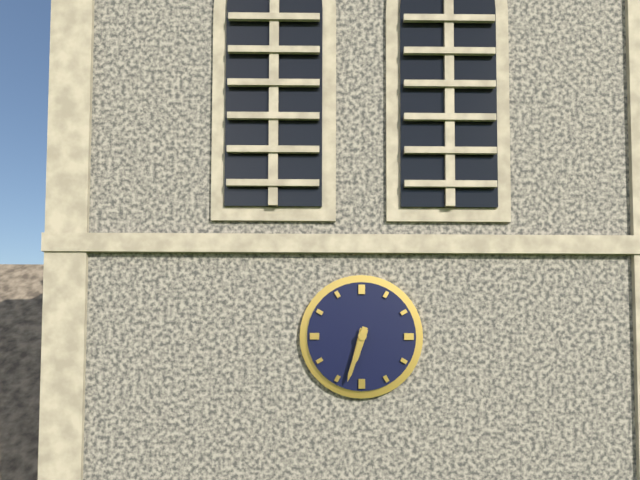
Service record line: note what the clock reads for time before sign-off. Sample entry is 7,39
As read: 6,33
